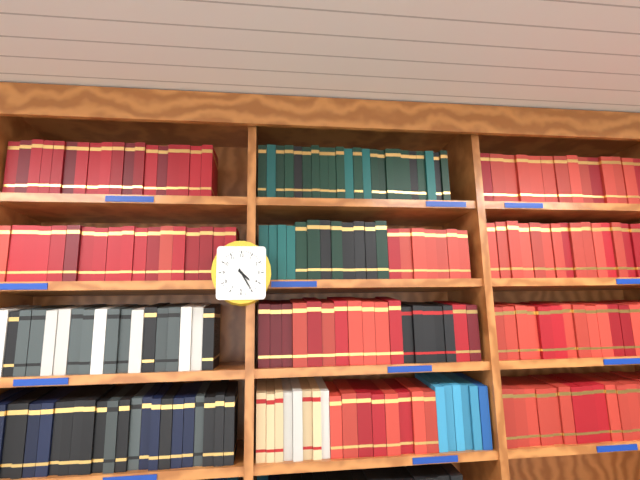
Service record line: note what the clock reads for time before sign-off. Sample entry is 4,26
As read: 4,25
